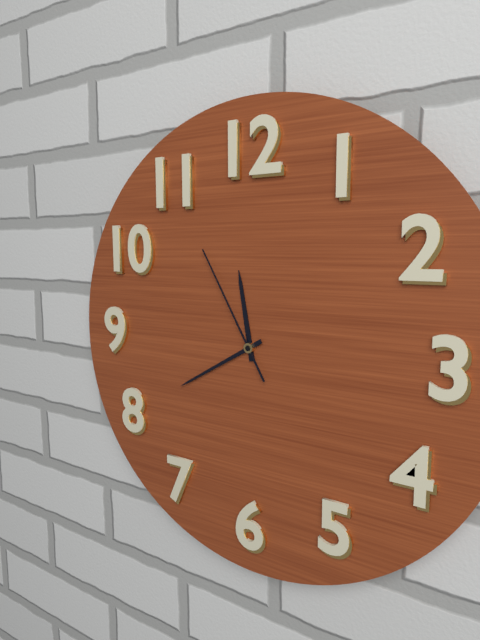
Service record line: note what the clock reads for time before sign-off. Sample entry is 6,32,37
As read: 11,40,55
